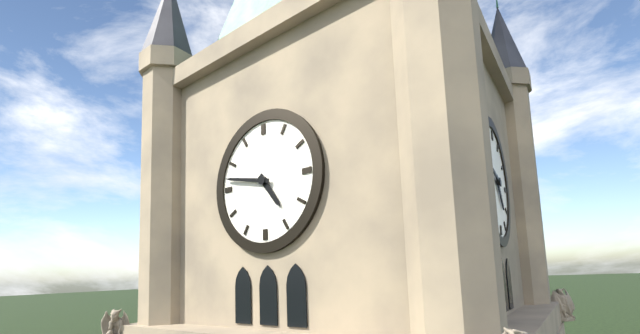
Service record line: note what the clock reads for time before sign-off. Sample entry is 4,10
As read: 4,47
